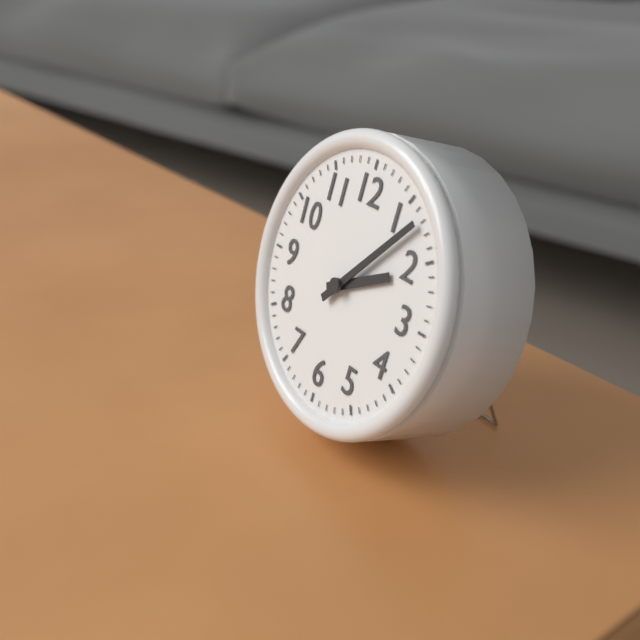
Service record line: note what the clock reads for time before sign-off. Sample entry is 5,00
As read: 2,07
